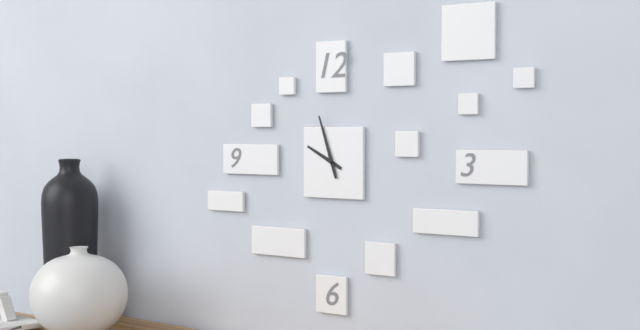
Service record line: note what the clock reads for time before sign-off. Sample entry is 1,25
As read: 9,57
